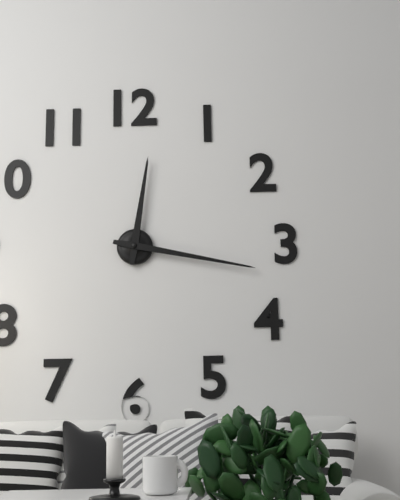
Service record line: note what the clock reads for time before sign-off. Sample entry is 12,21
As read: 12,17
